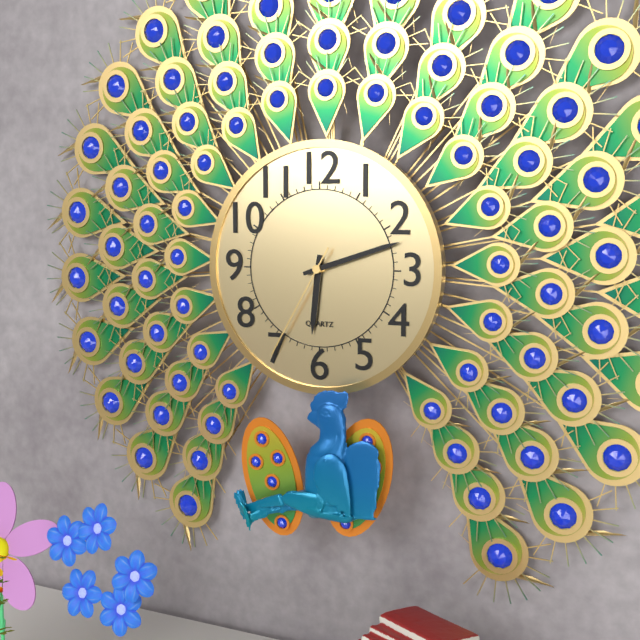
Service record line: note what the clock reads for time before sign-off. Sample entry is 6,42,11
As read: 6,12,35
